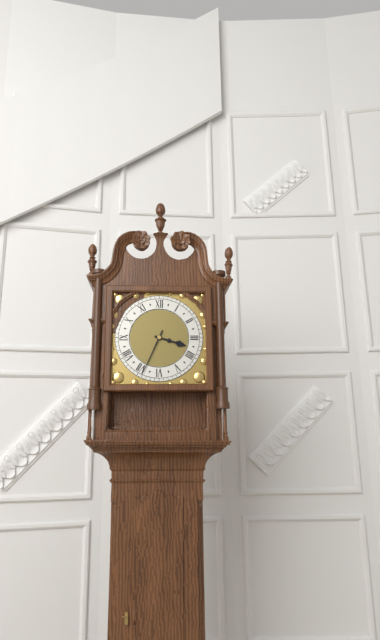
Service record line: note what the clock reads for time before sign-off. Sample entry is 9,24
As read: 3,34
